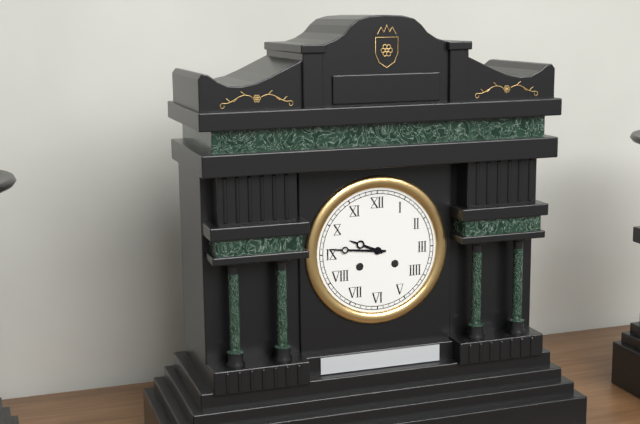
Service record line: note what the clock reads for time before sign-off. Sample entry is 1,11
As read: 9,46
